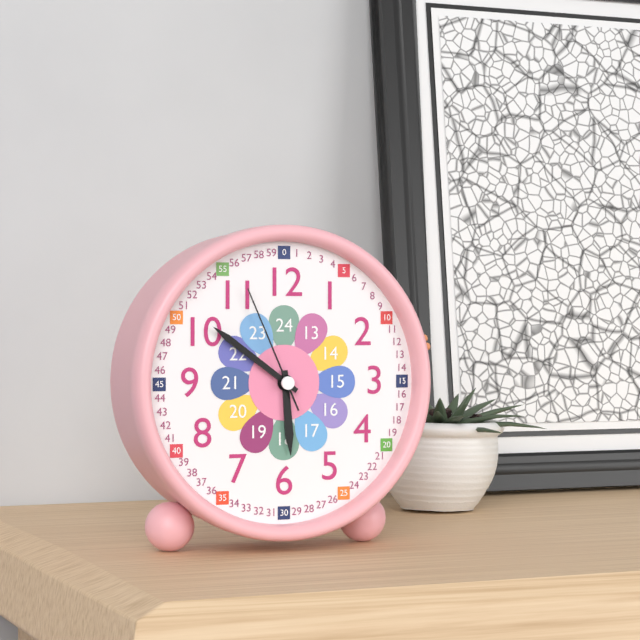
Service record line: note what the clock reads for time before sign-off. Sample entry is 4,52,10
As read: 5,51,56
